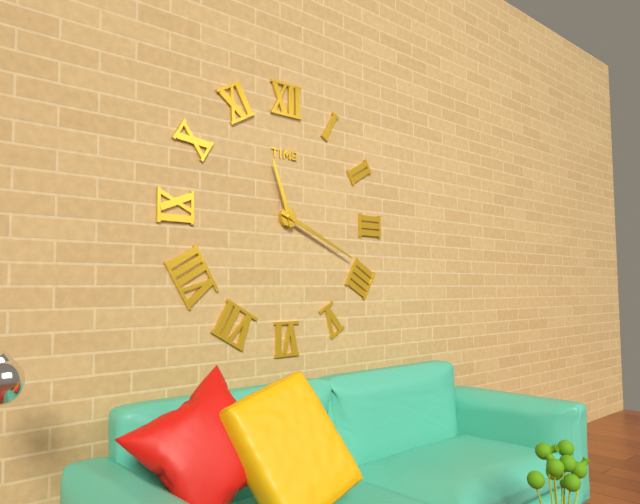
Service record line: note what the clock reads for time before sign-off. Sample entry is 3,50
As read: 11,19
